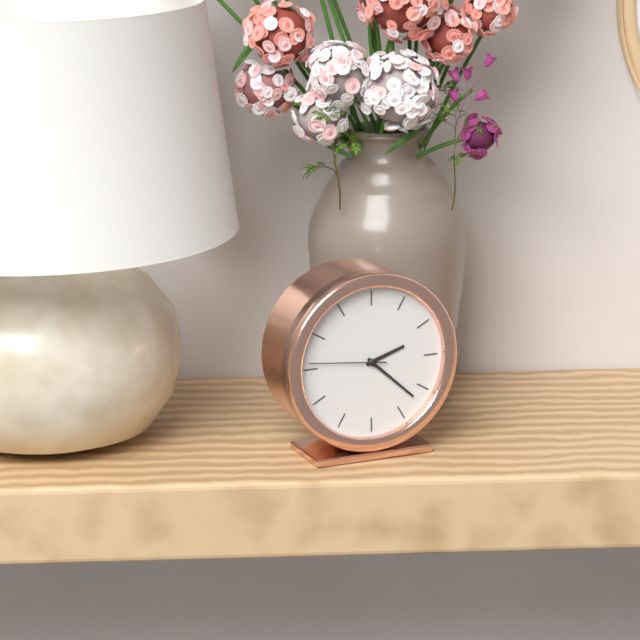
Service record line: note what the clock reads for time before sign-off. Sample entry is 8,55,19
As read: 2,22,46
